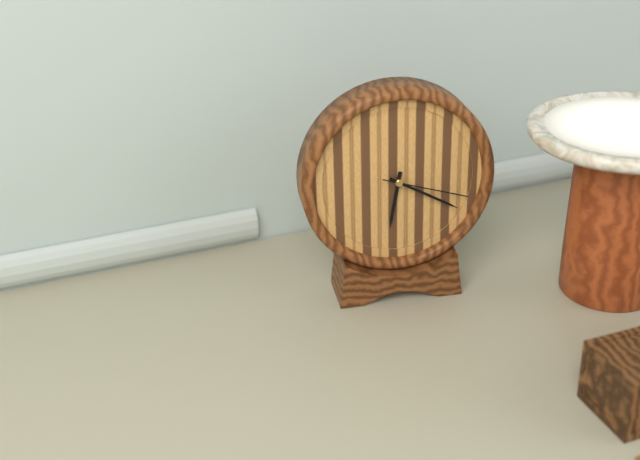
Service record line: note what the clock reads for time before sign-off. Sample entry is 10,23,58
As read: 6,20,18
